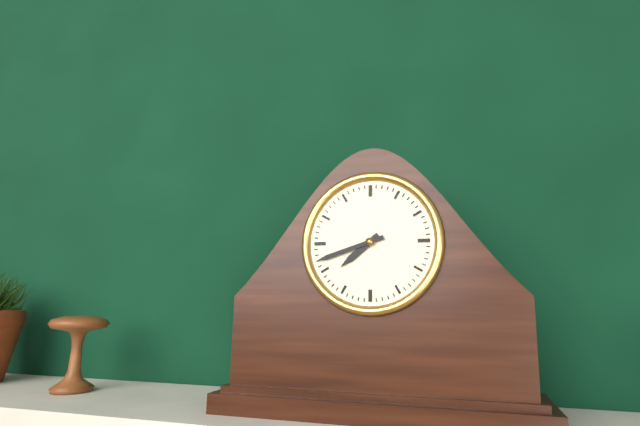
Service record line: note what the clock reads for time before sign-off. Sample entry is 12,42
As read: 7,42
